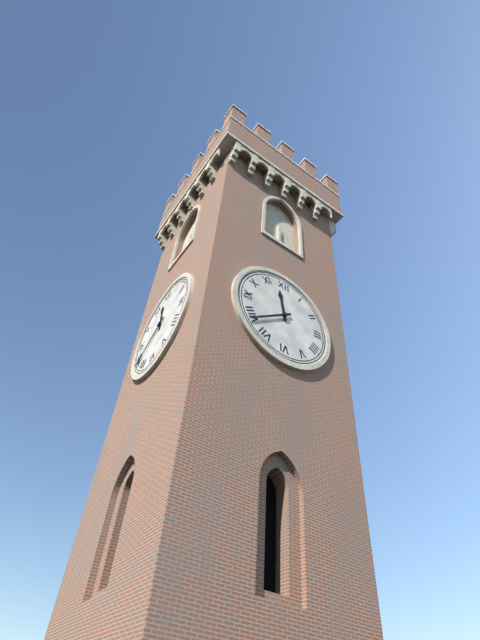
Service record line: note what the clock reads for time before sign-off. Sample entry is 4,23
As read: 11,39
